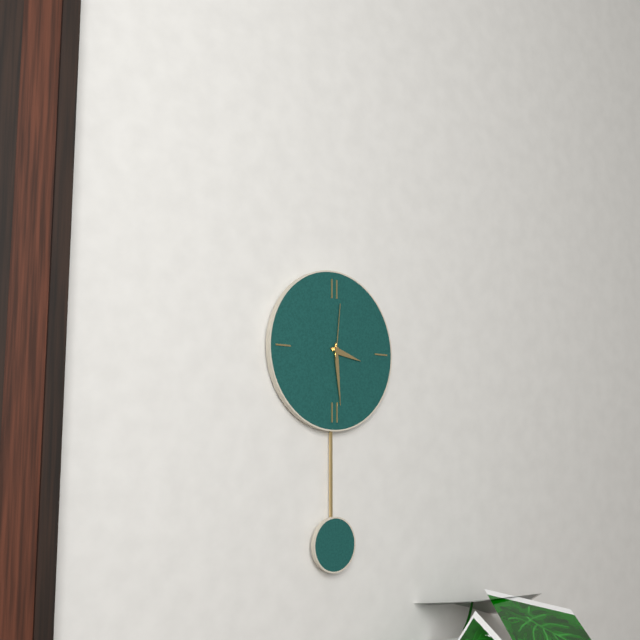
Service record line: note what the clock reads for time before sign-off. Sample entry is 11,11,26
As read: 3,29,01
